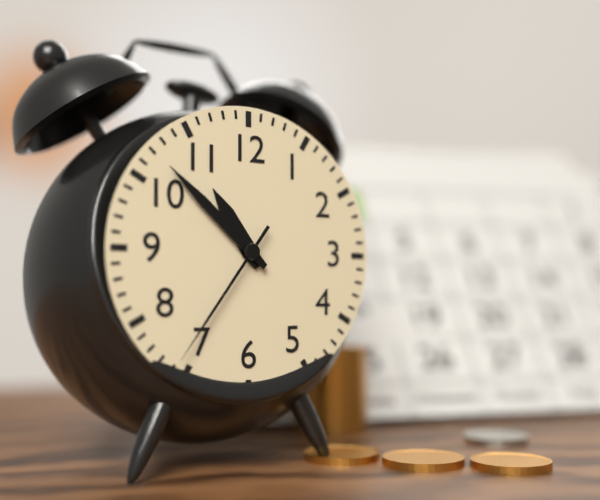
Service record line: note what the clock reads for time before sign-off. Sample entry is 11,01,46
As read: 10,52,36
